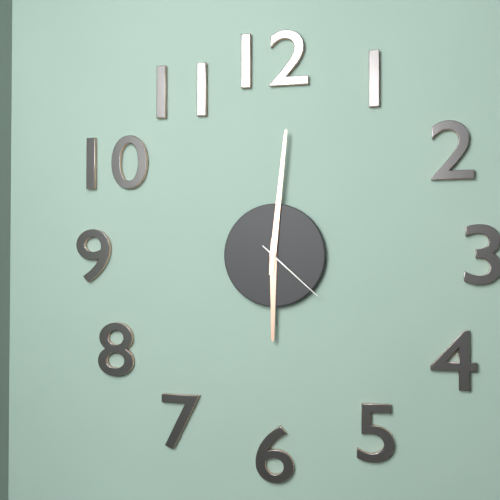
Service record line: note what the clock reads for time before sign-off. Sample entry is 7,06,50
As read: 6,01,22
